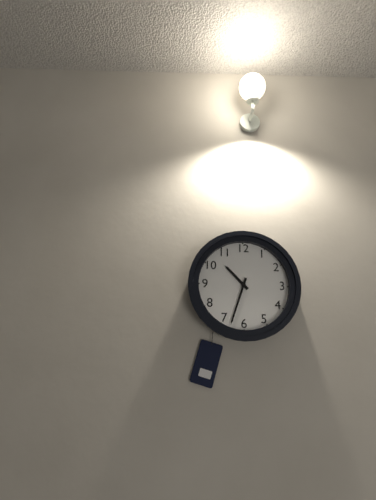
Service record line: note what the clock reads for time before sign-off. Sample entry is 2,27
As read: 10,33
